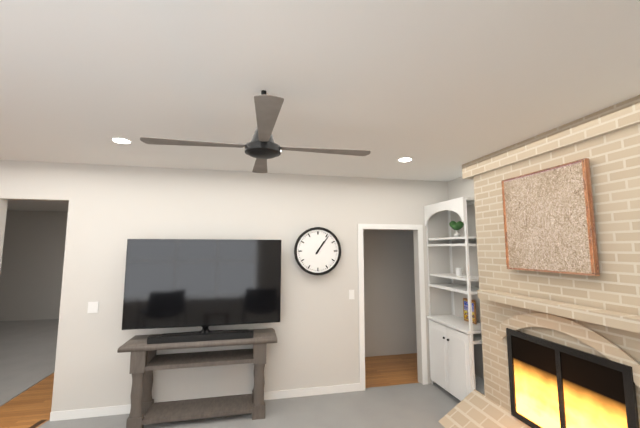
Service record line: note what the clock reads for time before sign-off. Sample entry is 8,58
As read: 1,06
